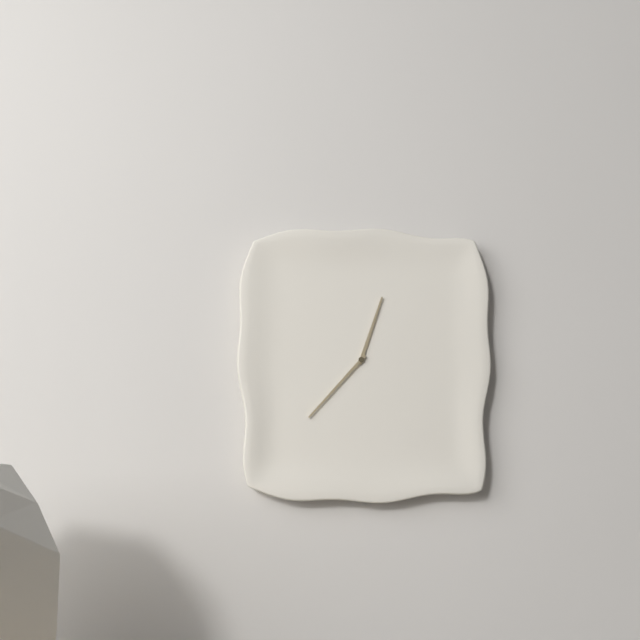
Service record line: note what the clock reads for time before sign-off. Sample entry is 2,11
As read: 12,37
